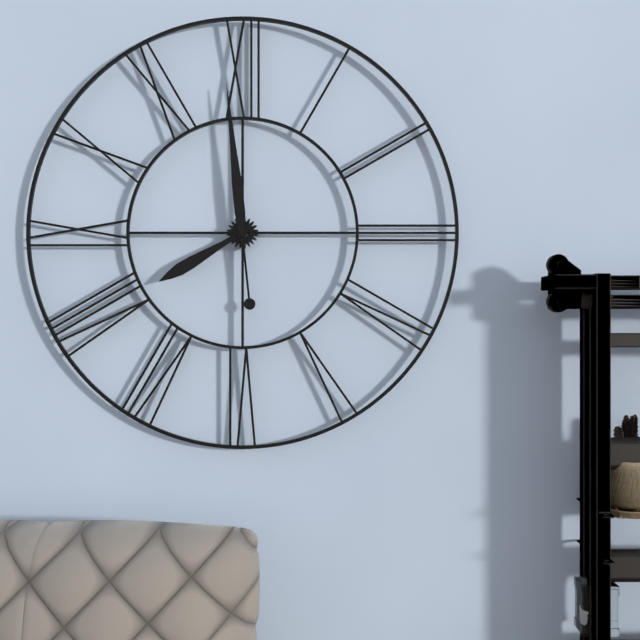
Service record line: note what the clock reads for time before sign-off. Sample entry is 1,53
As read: 7,59
